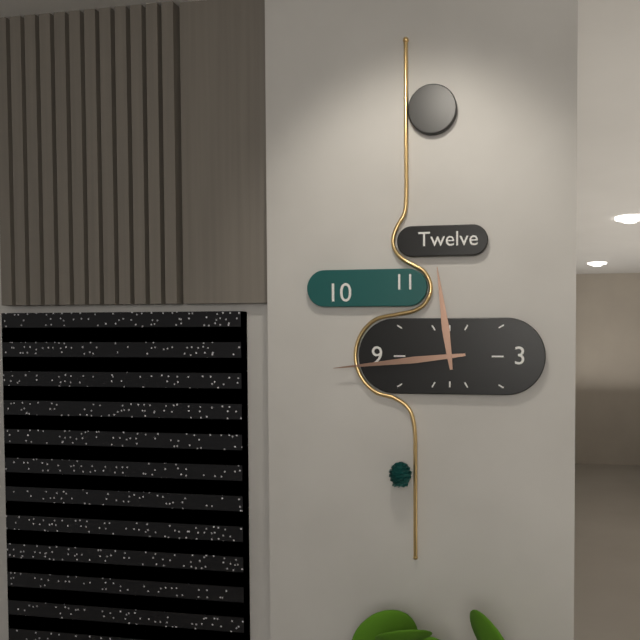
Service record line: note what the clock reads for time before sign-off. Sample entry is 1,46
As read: 11,44
